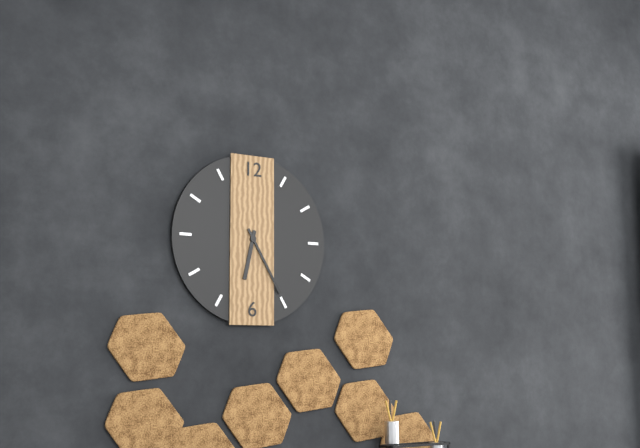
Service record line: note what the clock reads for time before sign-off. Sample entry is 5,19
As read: 6,25
